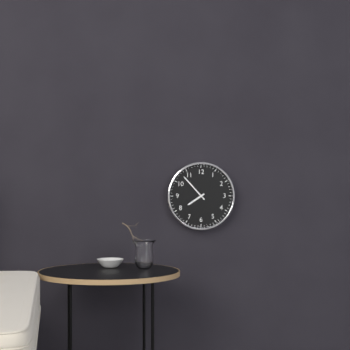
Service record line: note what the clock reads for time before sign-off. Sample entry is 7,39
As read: 7,53
